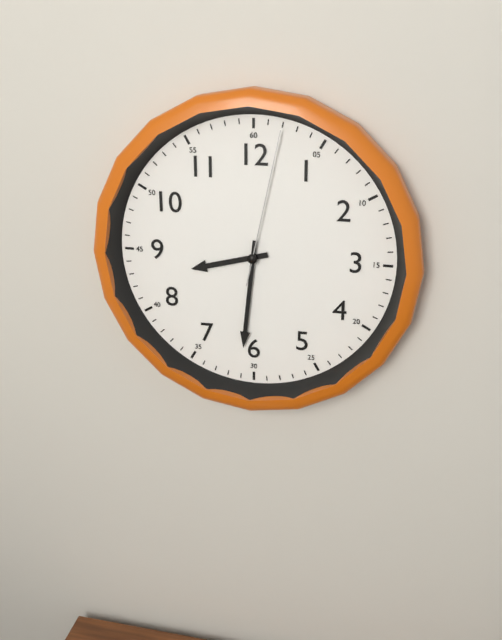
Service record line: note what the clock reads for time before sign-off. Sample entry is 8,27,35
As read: 8,31,02
